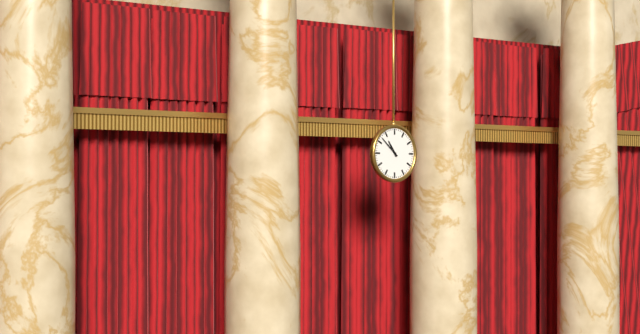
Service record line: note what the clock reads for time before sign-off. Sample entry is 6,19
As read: 10,52
